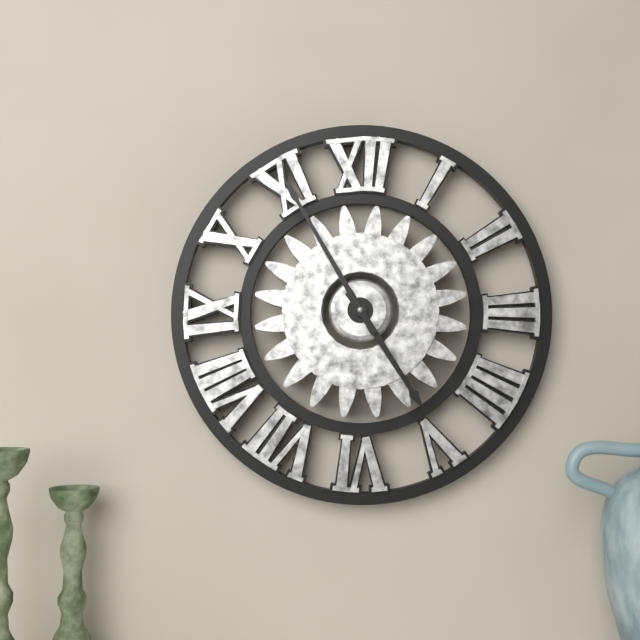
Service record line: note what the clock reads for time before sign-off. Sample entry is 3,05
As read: 4,55
